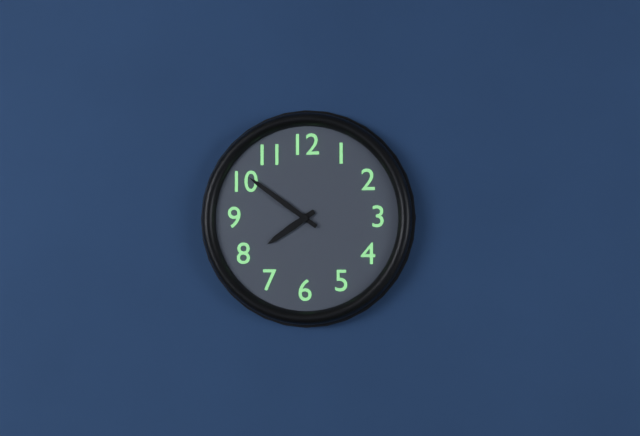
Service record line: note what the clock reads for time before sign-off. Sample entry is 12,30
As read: 7,51
